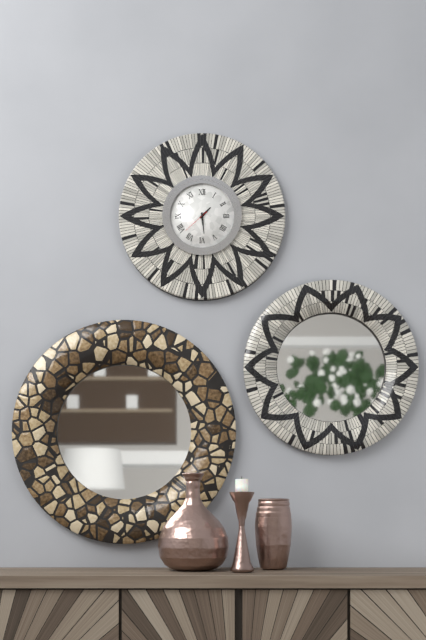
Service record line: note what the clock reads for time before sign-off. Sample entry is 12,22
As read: 1,29
